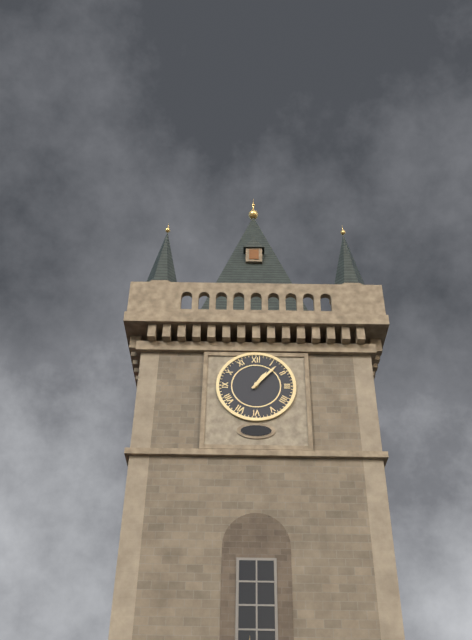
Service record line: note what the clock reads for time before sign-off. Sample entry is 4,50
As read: 1,07
